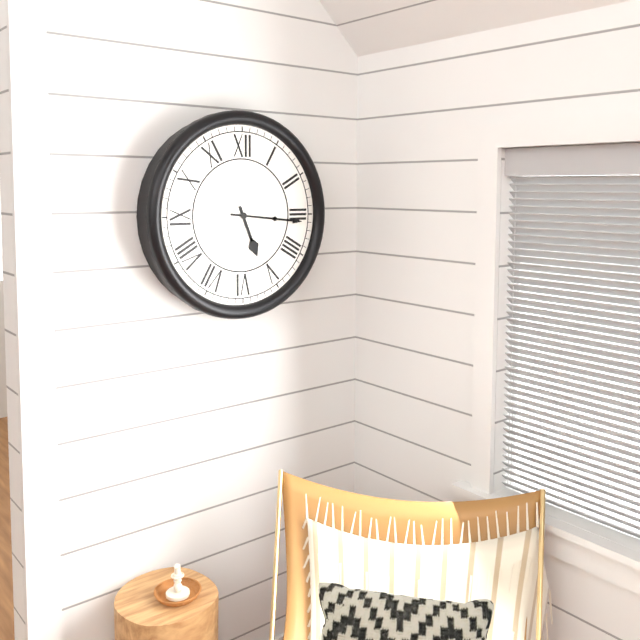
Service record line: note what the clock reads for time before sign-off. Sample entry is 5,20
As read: 5,16
